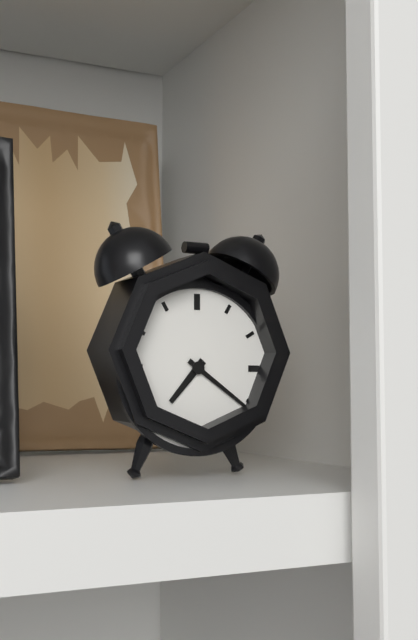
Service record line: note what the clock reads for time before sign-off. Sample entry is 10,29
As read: 7,21
